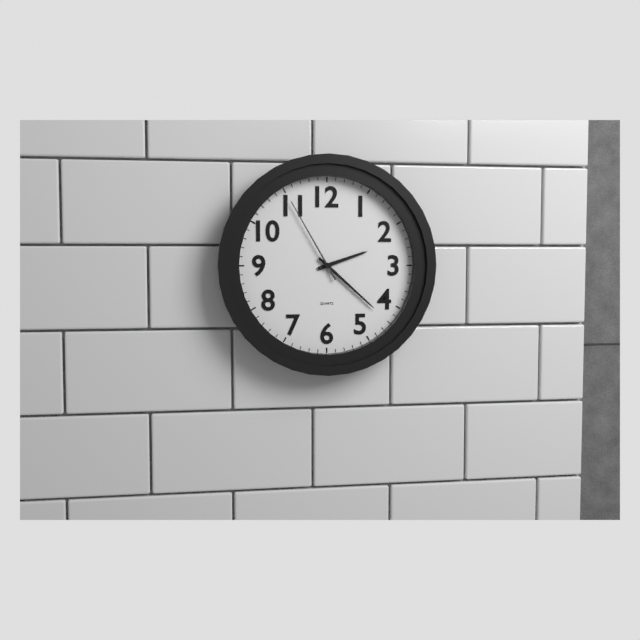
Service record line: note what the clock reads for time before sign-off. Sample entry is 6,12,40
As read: 2,22,55
